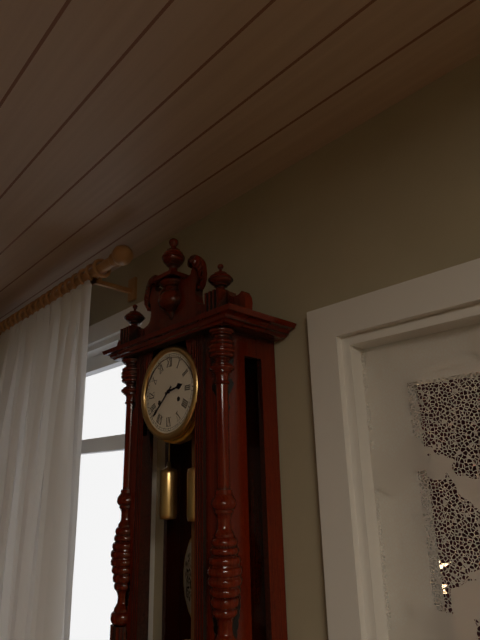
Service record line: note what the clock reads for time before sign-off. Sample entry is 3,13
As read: 2,38
